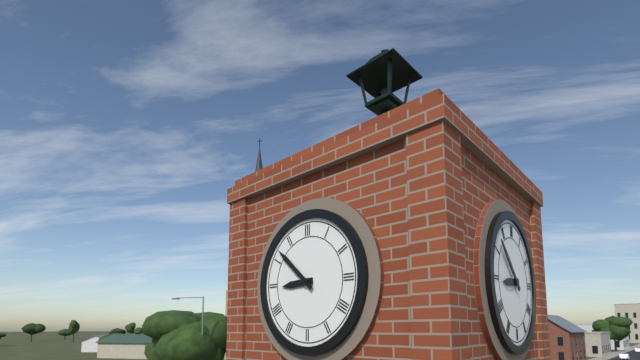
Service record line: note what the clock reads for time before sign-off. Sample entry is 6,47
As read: 8,52
